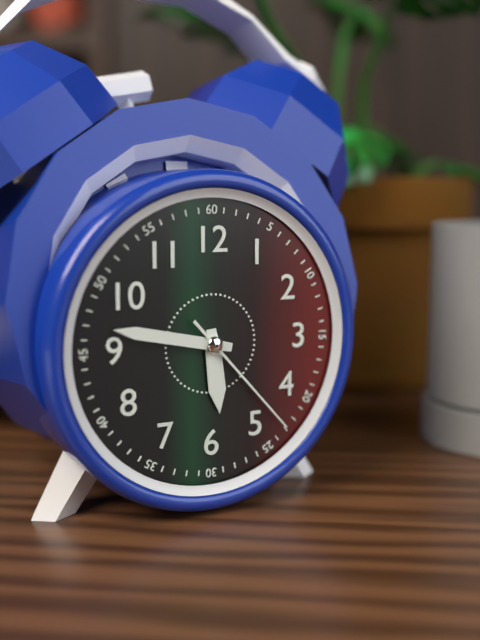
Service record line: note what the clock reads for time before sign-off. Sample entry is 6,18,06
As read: 5,47,23
